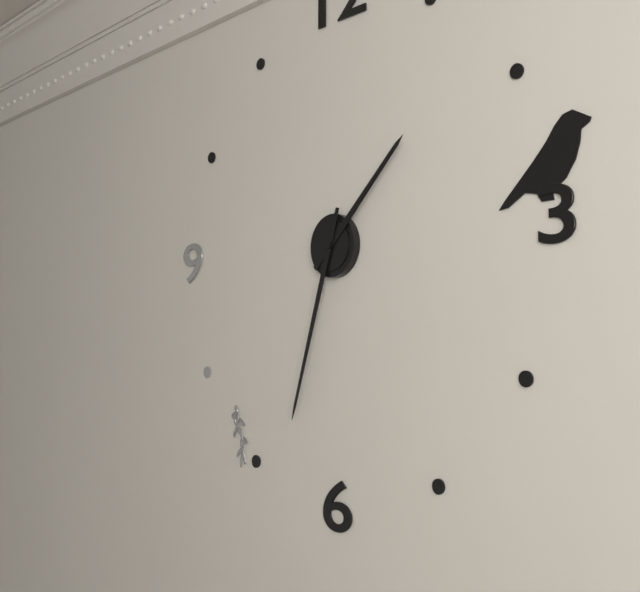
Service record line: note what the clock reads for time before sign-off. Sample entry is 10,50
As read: 1,33
